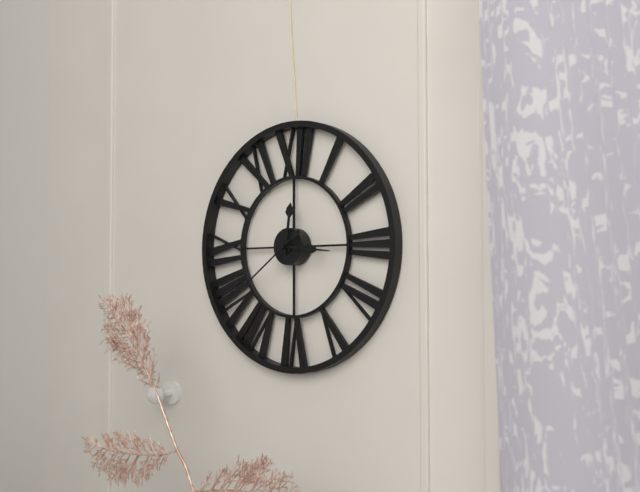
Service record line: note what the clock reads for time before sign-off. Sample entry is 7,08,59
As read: 12,16,39
